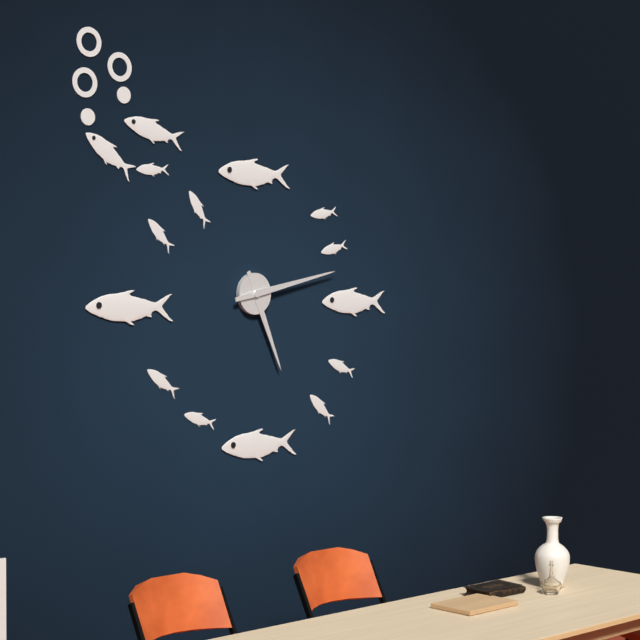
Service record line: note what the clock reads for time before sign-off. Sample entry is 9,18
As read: 5,13
